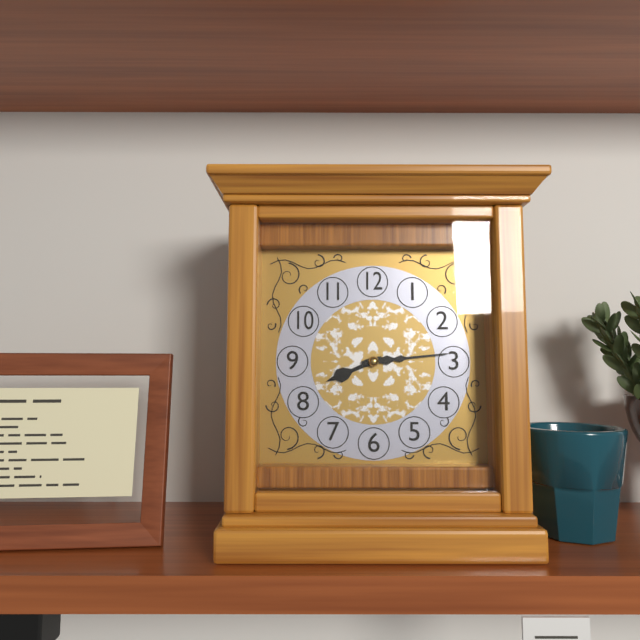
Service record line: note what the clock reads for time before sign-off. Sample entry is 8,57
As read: 8,14
